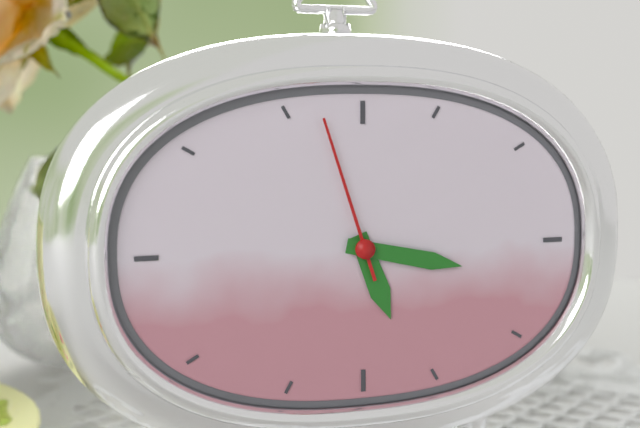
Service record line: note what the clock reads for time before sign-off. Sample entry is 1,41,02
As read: 5,17,57
